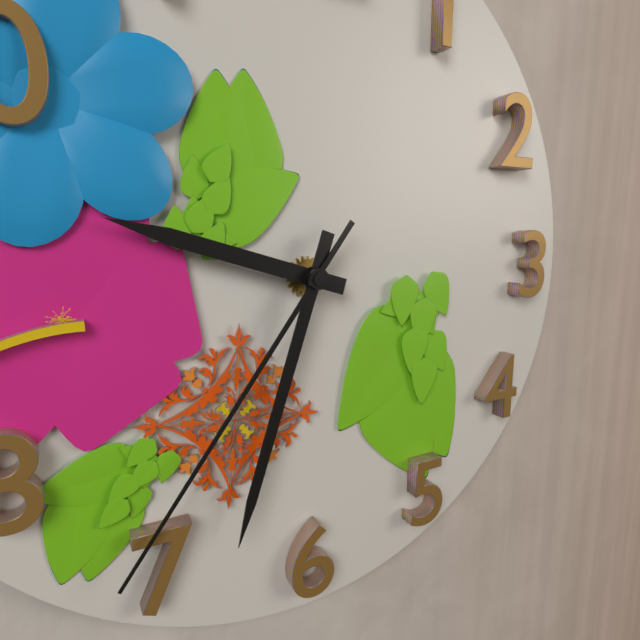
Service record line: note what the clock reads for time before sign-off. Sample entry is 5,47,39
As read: 9,33,36
